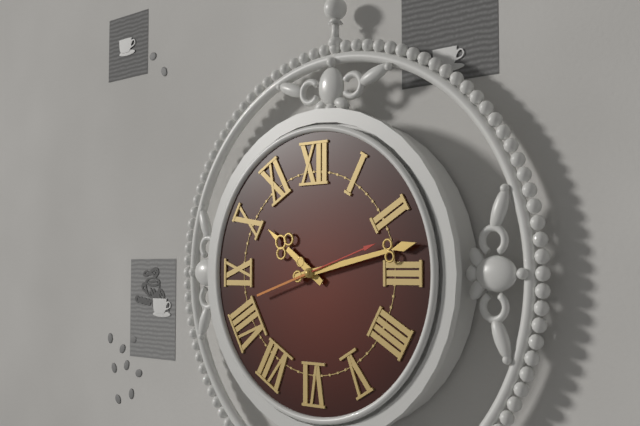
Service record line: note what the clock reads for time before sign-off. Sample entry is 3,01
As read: 10,13
